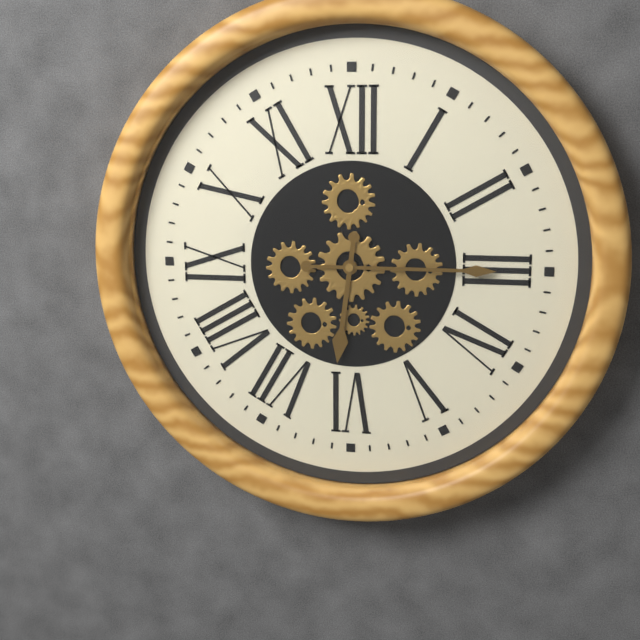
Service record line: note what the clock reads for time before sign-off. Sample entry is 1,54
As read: 6,15
